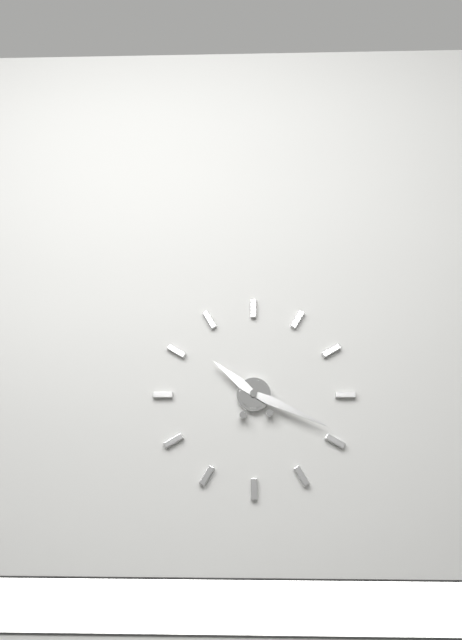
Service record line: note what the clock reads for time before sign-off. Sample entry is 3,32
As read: 10,19
